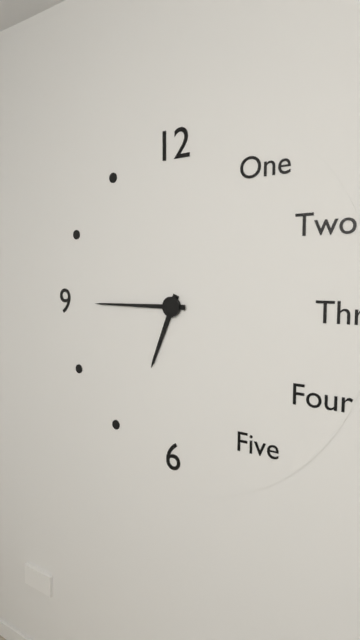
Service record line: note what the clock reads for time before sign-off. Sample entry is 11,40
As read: 6,45
